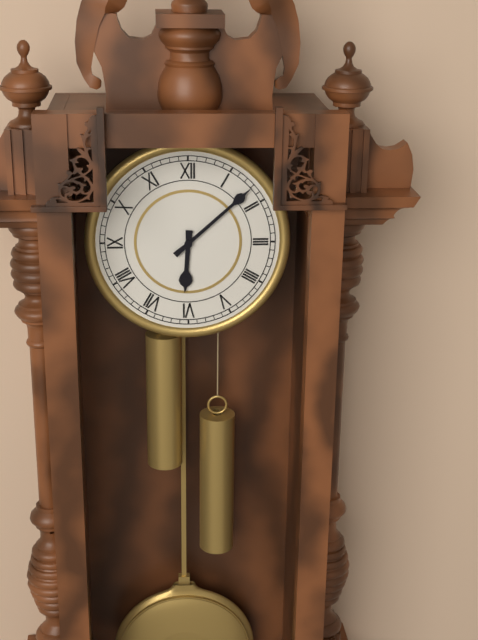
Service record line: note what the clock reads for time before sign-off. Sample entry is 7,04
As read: 6,08
